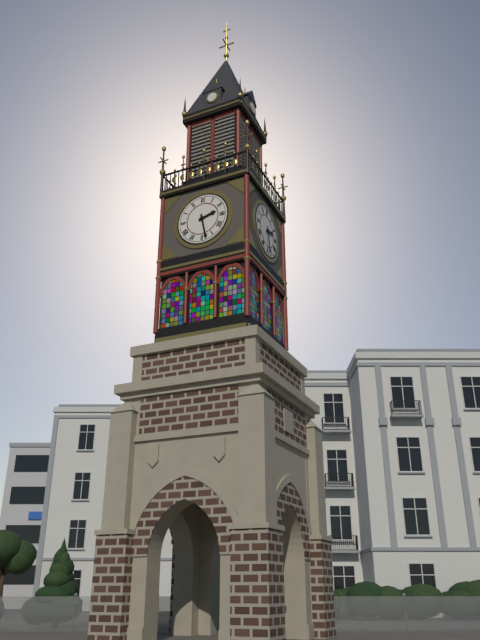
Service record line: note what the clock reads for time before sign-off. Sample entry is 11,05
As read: 2,28
